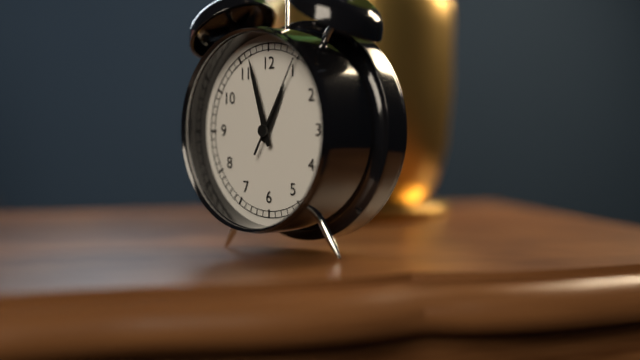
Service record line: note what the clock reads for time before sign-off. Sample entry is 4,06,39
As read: 12,57,05
